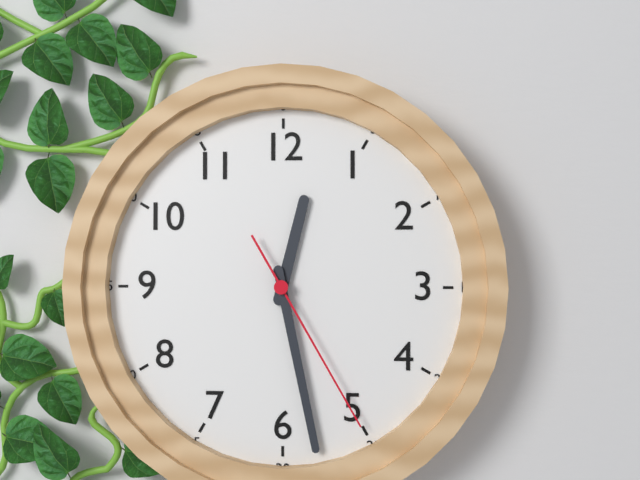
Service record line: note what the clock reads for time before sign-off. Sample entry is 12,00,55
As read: 12,28,25
